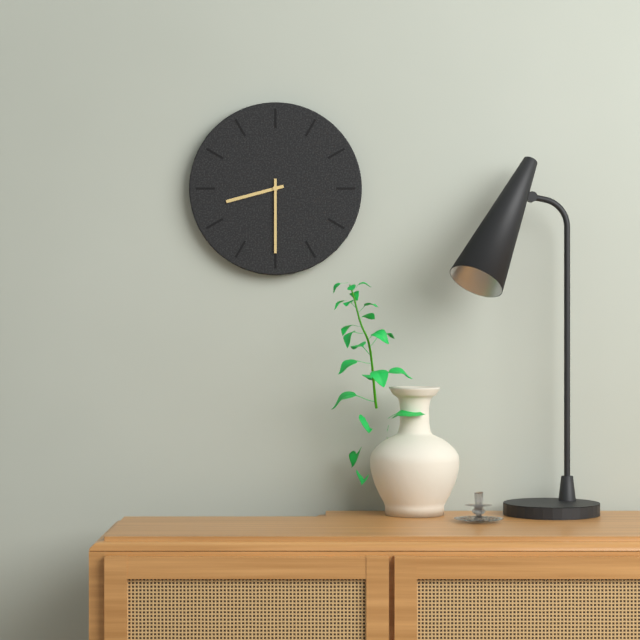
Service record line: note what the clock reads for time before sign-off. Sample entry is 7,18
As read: 8,30
